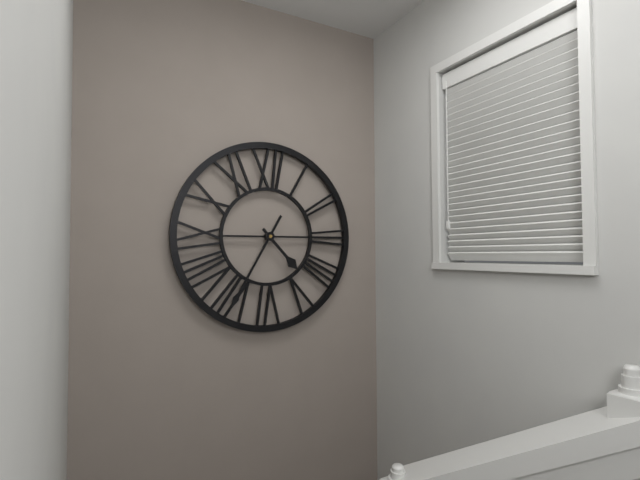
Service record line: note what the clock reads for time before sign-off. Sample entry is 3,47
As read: 4,35
